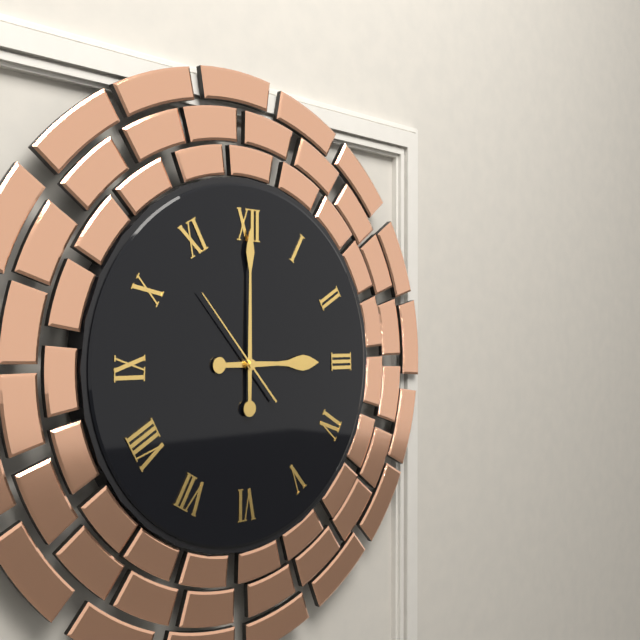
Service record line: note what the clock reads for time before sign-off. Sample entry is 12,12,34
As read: 3,00,53
